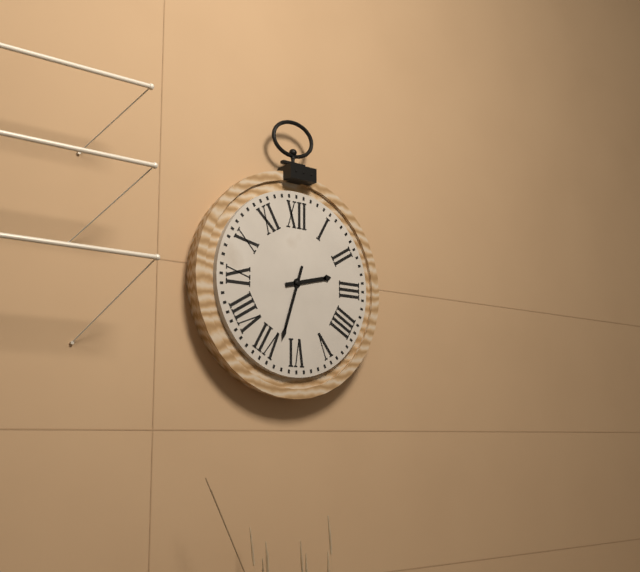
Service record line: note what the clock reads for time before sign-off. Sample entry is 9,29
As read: 2,33
